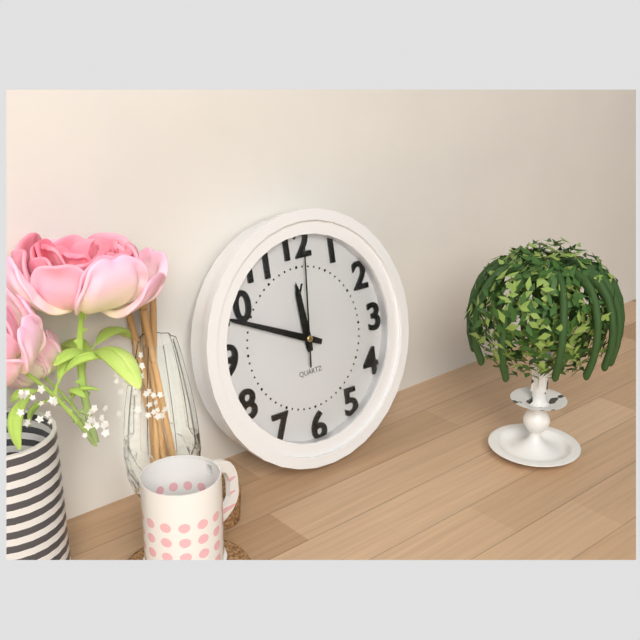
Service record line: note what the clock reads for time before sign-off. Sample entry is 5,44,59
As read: 11,49,01
